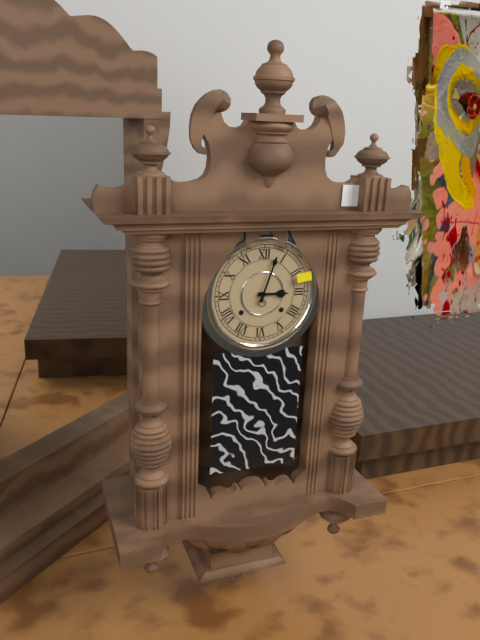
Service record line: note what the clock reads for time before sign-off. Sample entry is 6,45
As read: 3,03
